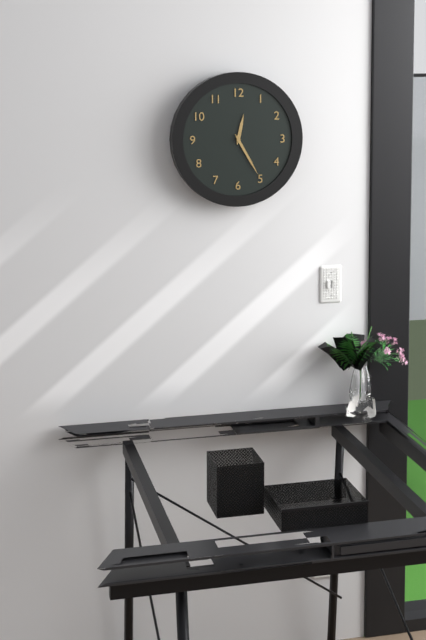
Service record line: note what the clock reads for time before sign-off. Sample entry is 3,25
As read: 12,25
